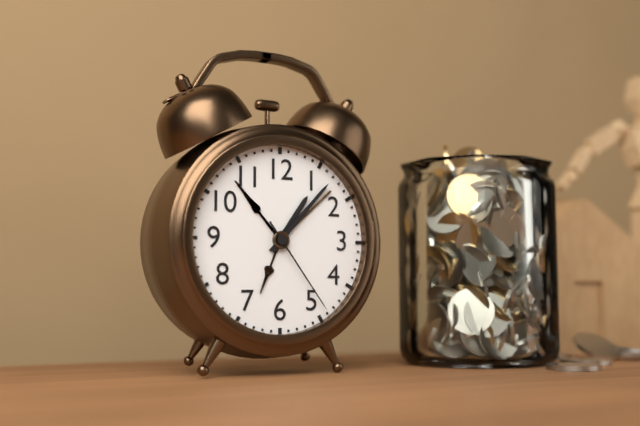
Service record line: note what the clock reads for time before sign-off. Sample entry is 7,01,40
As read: 1,07,24
